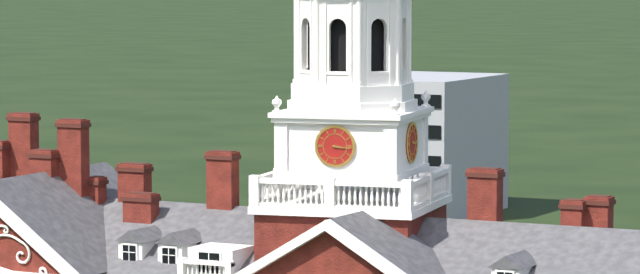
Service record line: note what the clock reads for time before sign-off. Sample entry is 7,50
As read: 3,16
